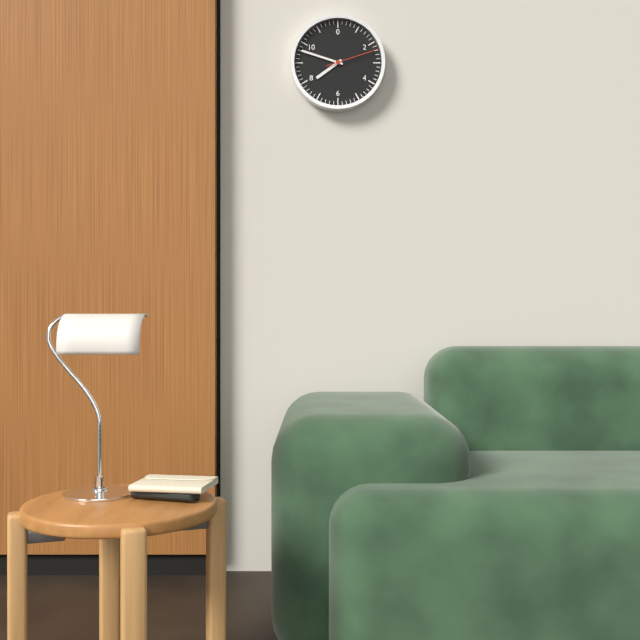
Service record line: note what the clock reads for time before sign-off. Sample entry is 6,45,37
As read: 7,48,12
